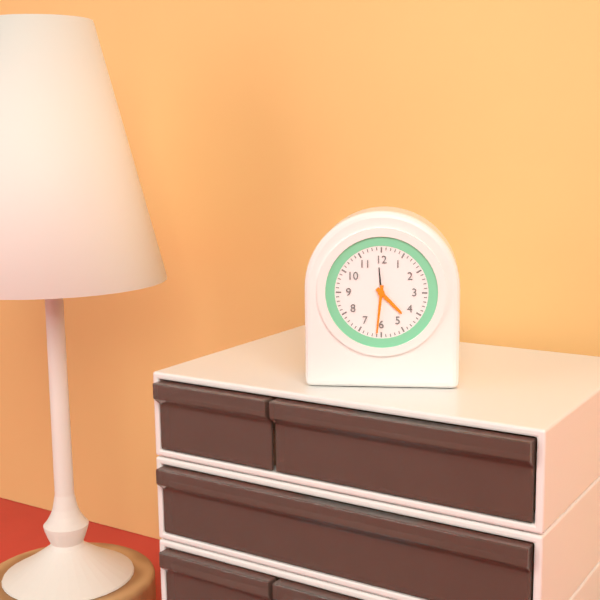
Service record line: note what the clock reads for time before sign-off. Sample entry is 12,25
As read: 4,31
